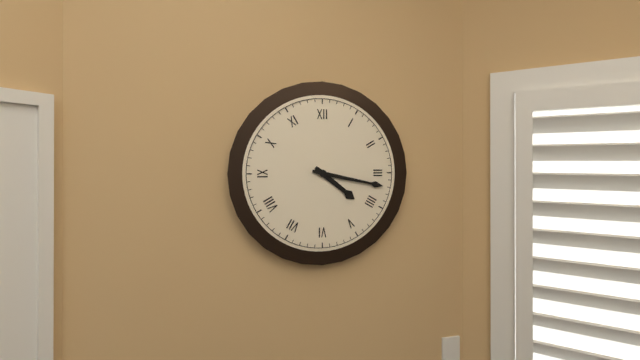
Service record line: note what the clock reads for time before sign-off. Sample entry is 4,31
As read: 4,17
